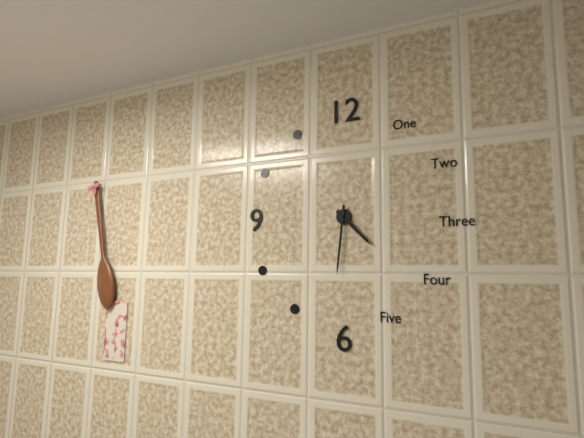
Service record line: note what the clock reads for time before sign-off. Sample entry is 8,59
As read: 4,31
